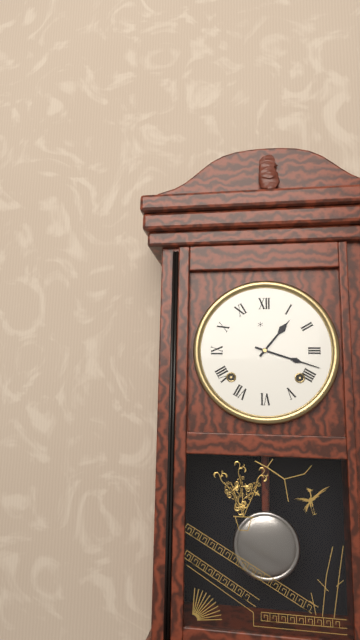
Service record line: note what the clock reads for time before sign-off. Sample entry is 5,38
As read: 1,18
